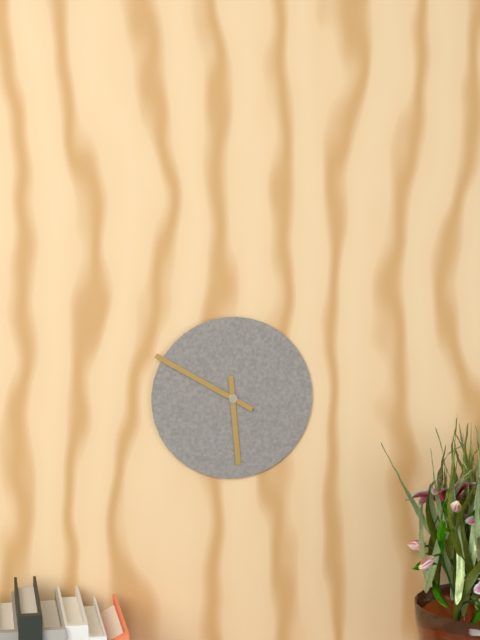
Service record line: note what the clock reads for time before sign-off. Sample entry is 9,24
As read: 5,50
